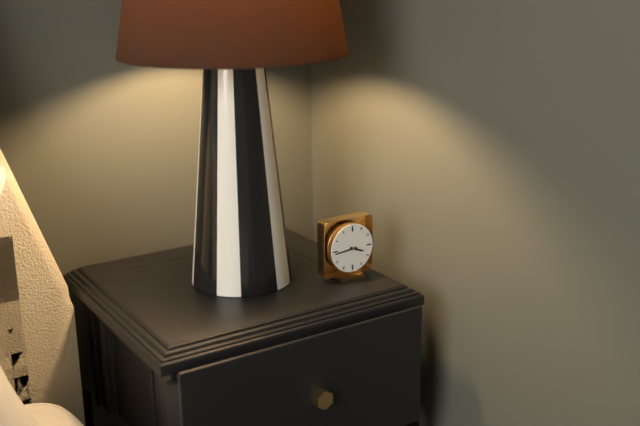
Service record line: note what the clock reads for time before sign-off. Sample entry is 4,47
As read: 3,44
